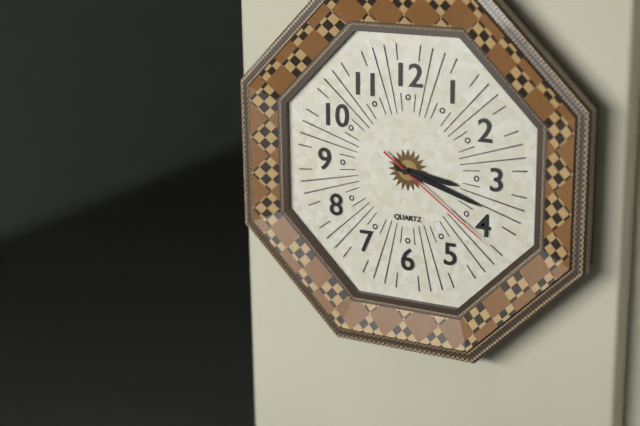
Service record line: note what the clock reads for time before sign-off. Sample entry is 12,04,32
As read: 3,18,21
